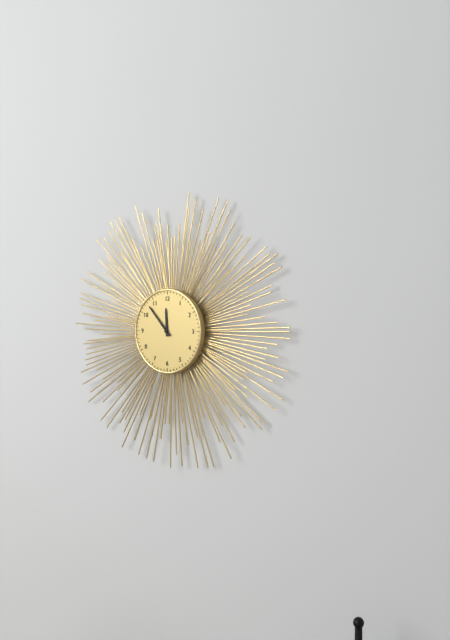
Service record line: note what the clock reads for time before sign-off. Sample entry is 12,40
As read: 11,53
